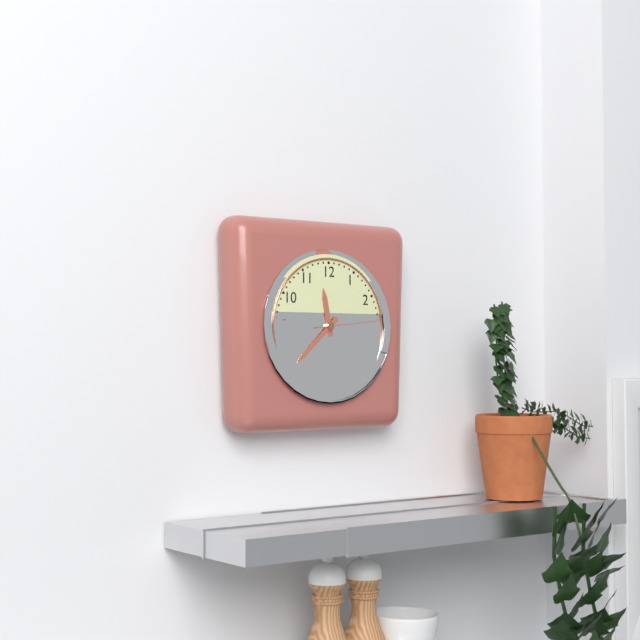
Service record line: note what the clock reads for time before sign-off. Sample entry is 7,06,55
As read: 11,38,14
